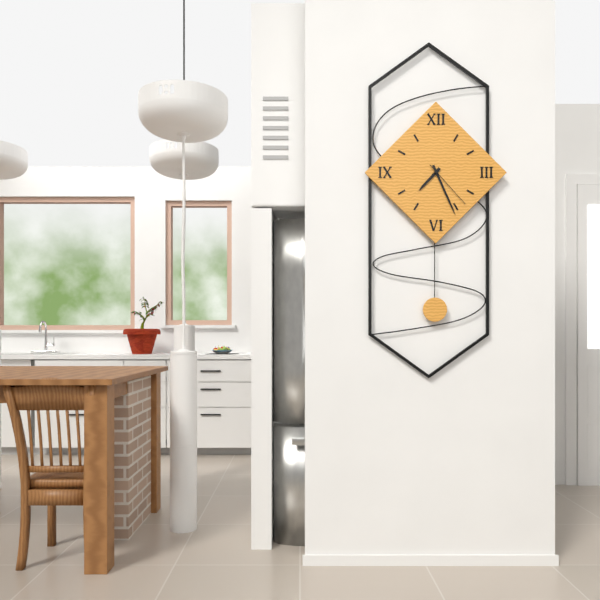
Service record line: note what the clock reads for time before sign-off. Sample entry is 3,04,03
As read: 7,26,23
